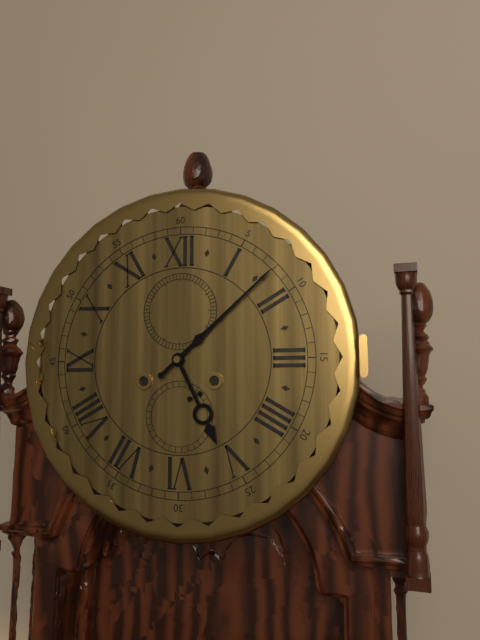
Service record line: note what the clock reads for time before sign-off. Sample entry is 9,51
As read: 5,08
